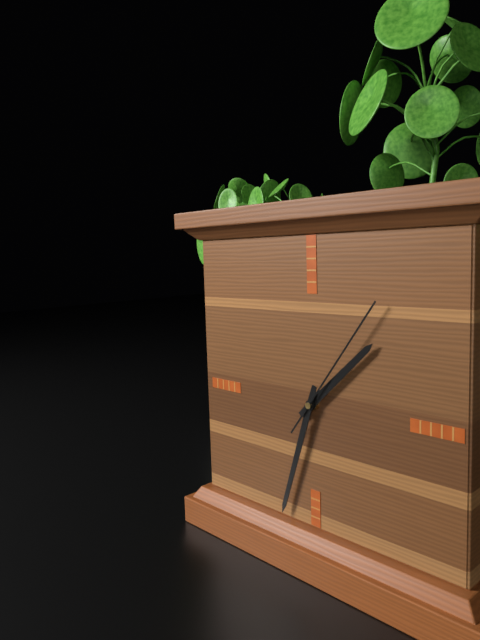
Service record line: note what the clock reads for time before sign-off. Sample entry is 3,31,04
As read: 1,33,06
